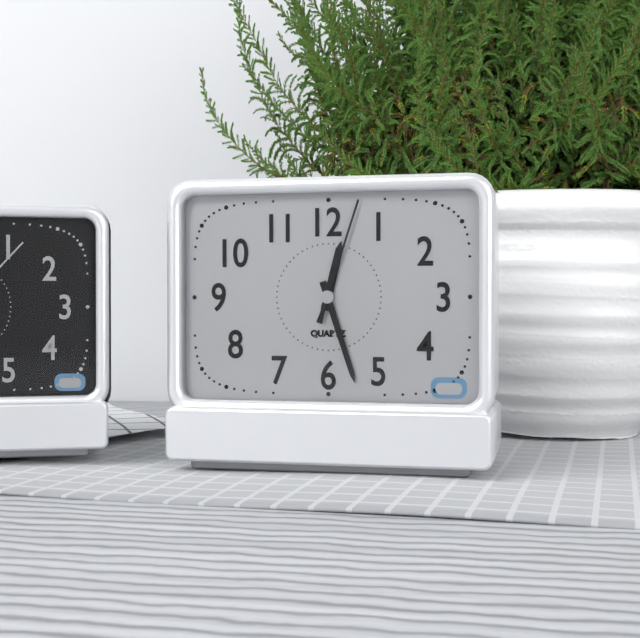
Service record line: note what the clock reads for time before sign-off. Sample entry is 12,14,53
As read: 12,27,03
